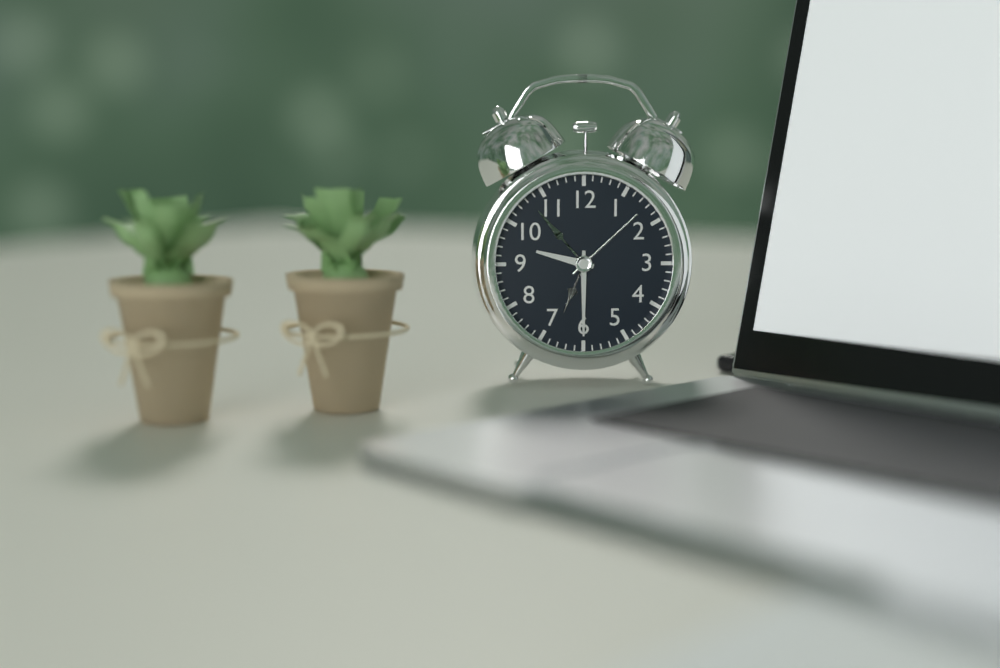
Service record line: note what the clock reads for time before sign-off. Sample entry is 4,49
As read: 9,30
